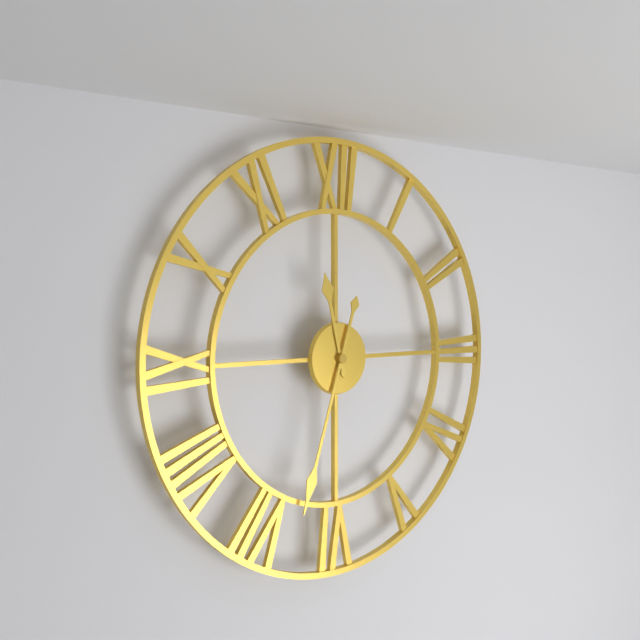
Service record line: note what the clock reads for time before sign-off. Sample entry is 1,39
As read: 11,33
